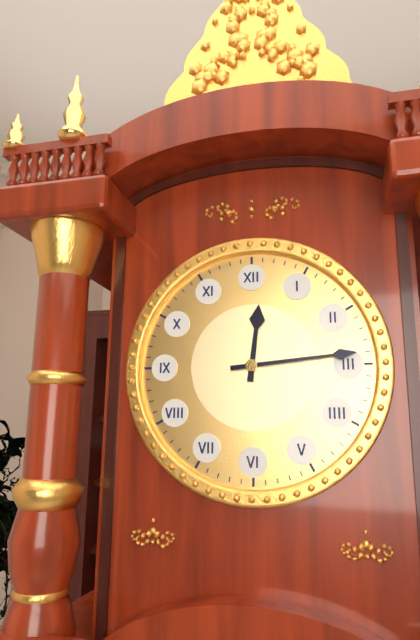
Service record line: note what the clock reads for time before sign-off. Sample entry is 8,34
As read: 12,14
